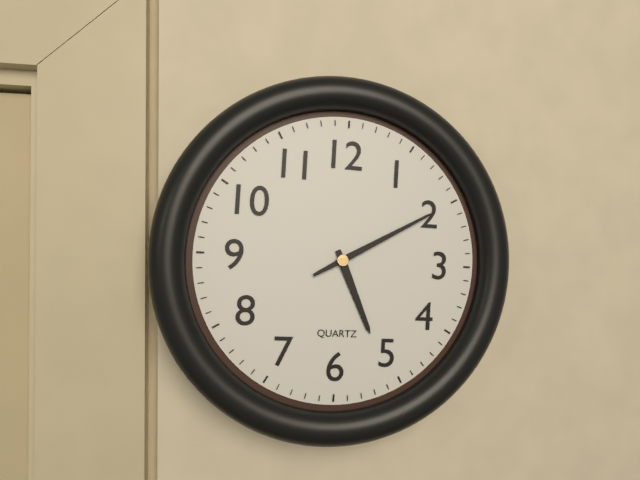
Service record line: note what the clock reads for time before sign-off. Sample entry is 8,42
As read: 5,10
